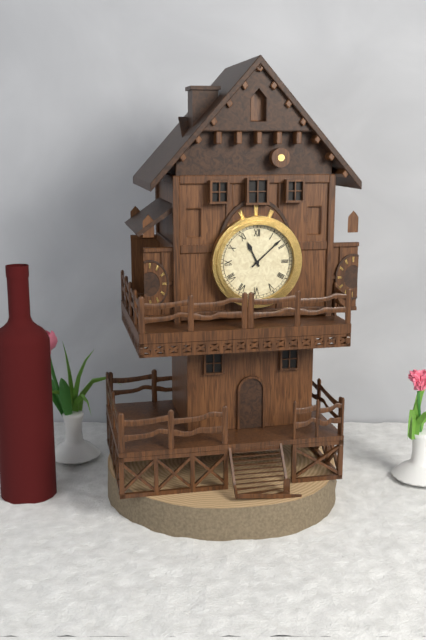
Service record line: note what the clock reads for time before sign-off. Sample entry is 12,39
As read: 11,08
